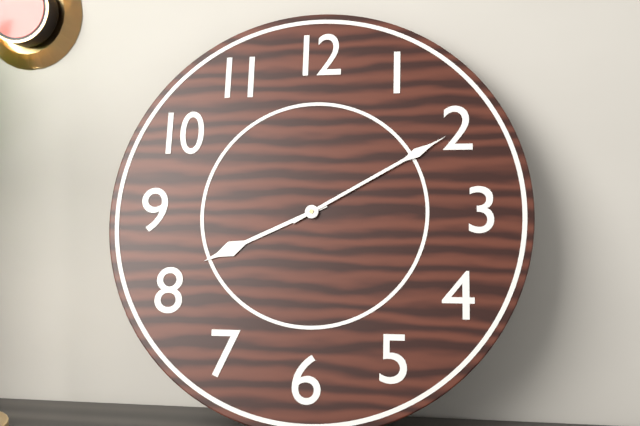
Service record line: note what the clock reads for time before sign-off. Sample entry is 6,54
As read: 8,10
